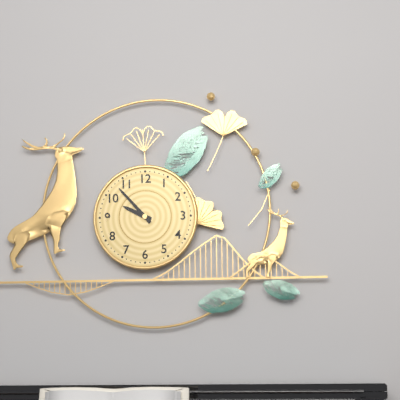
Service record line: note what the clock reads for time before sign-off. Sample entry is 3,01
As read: 9,53
